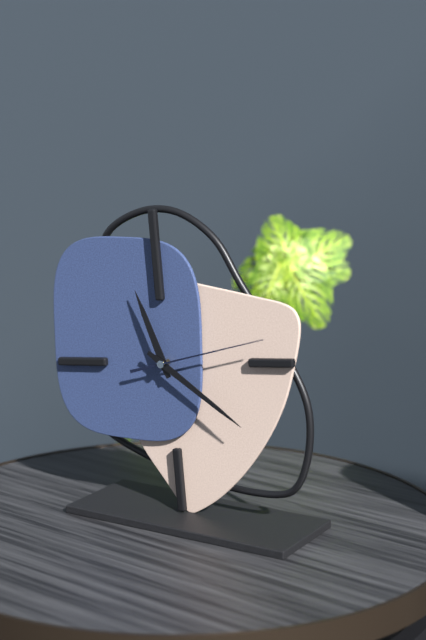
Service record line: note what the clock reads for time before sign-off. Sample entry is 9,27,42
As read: 11,21,13
